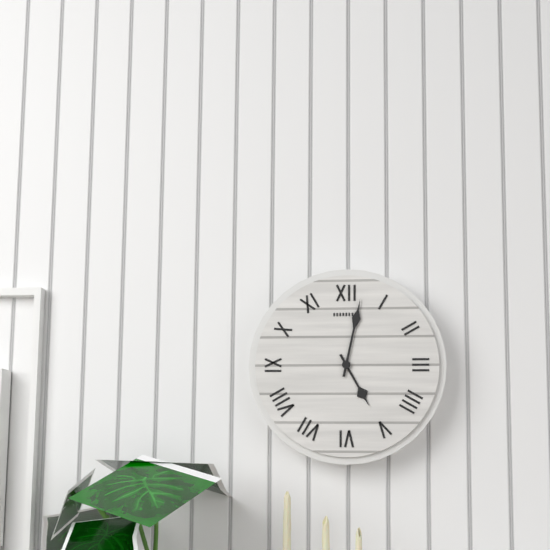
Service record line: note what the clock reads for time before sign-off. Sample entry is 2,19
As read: 5,02
